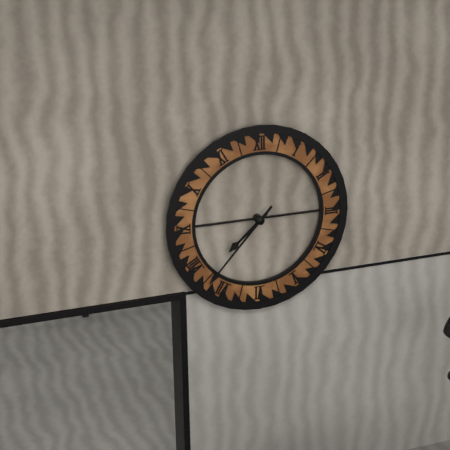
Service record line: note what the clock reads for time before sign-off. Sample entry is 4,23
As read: 7,37
